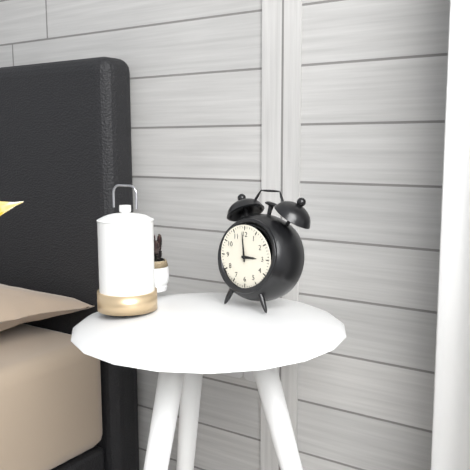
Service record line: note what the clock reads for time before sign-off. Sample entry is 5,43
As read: 2,59
